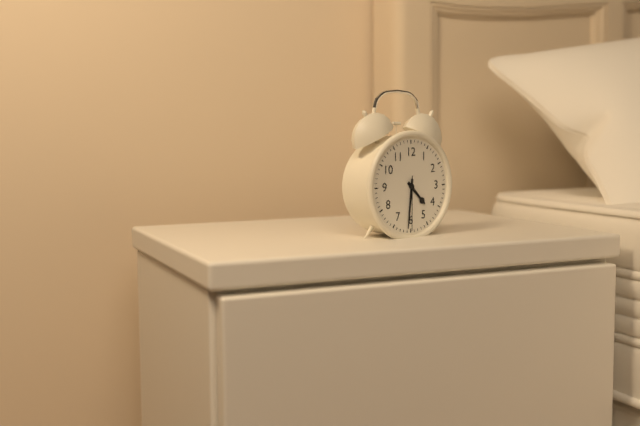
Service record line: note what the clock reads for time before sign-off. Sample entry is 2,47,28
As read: 4,31,30
